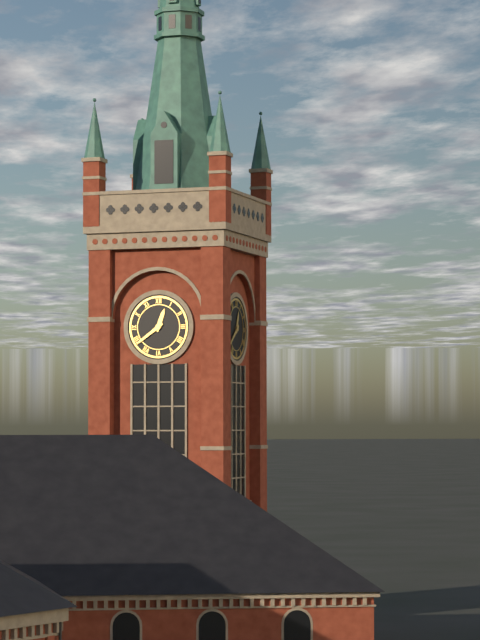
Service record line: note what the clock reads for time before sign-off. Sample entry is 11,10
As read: 12,39
